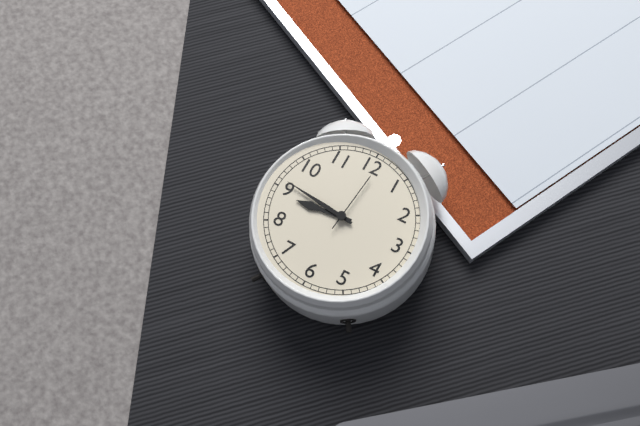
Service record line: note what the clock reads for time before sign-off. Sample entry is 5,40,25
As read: 8,46,01
